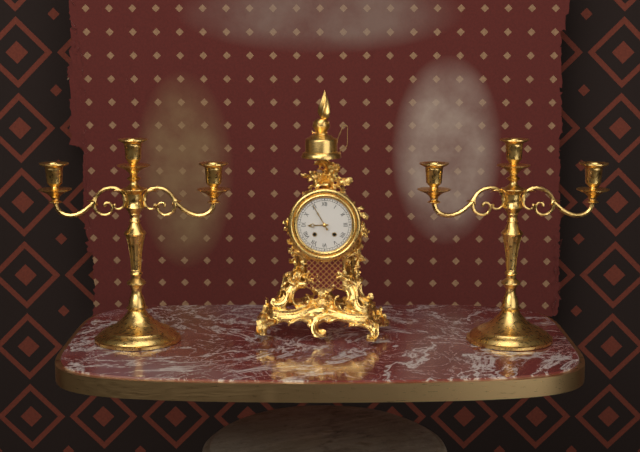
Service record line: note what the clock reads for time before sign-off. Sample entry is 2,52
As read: 8,55
